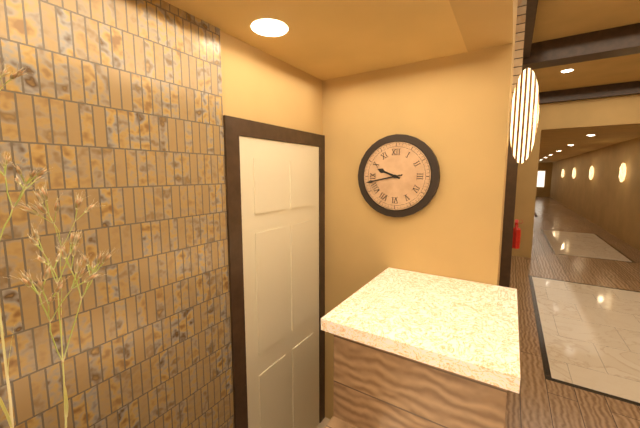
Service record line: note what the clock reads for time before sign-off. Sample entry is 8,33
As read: 9,43
